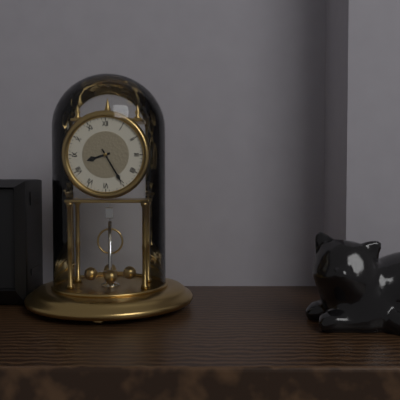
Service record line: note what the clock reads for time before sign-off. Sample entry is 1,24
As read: 8,25
